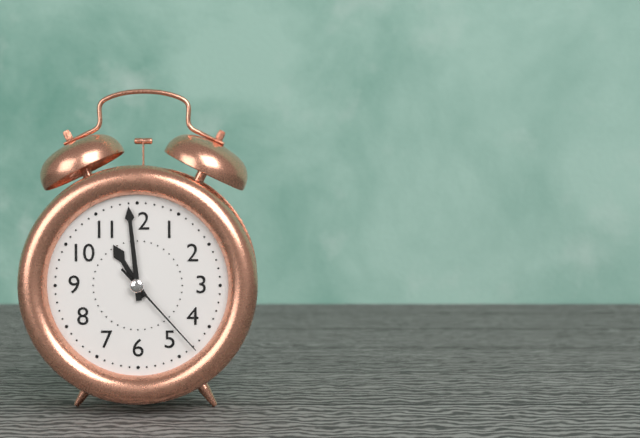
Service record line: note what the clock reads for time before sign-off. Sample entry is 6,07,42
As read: 10,59,23
